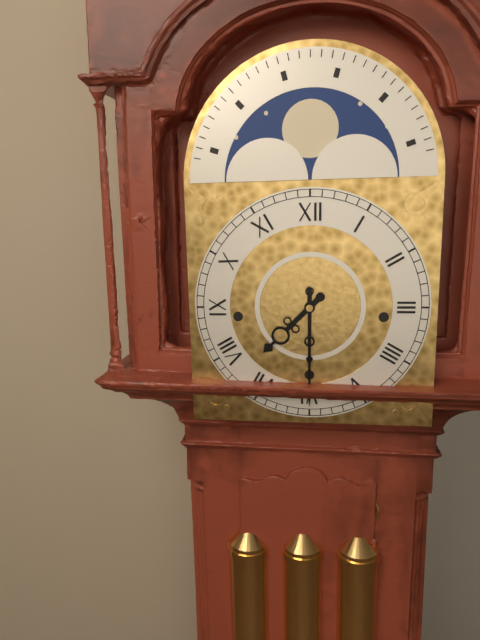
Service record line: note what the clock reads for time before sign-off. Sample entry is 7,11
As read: 7,30
